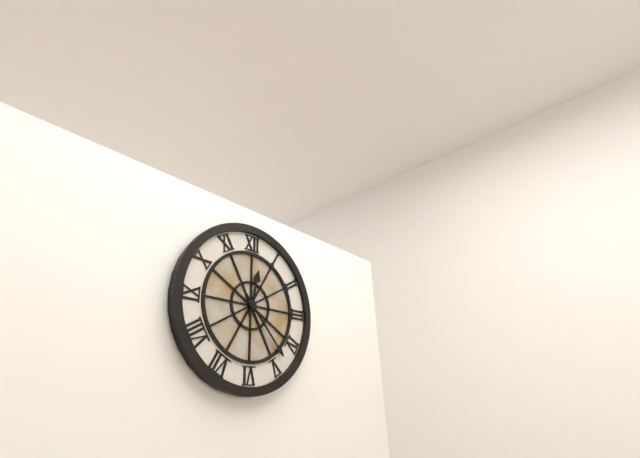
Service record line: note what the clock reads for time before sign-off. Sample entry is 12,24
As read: 12,23
